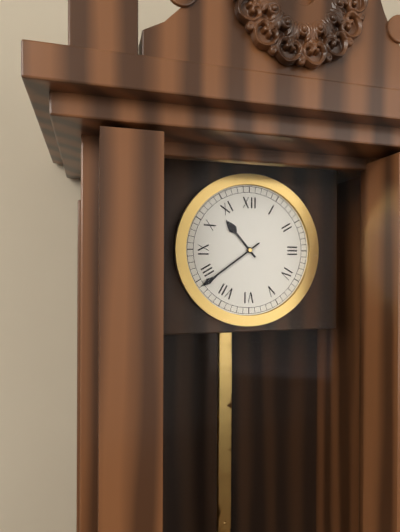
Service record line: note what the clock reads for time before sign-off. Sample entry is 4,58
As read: 10,39
